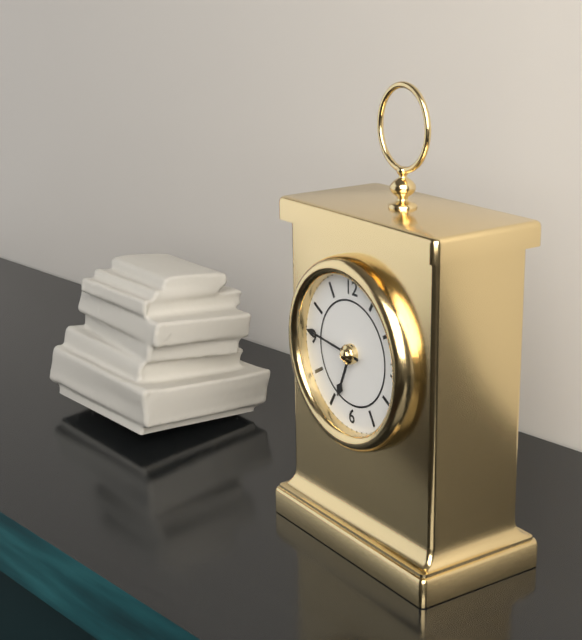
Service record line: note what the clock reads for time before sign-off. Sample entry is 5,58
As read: 6,46
